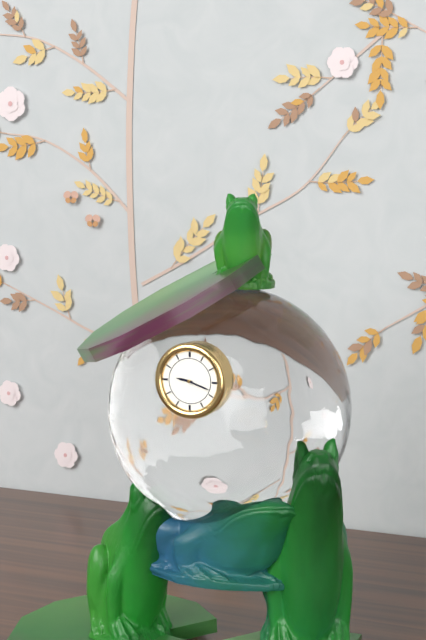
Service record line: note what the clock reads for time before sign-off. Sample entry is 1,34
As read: 9,18
